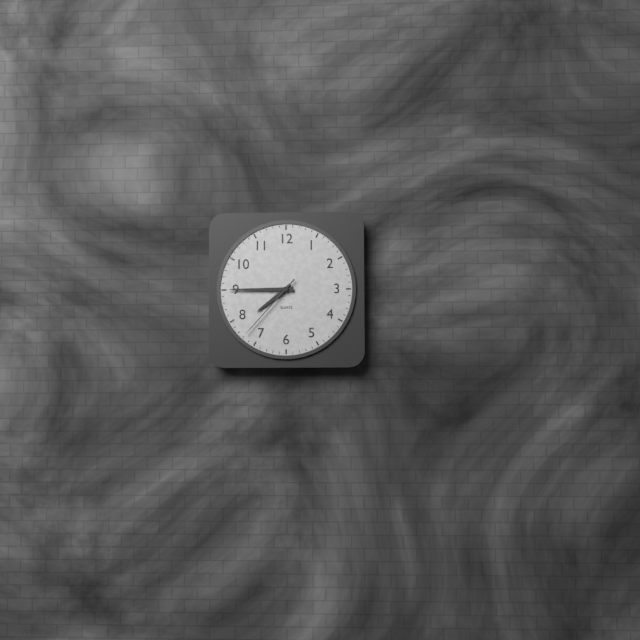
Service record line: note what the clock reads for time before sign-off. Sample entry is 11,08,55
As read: 7,45,37
